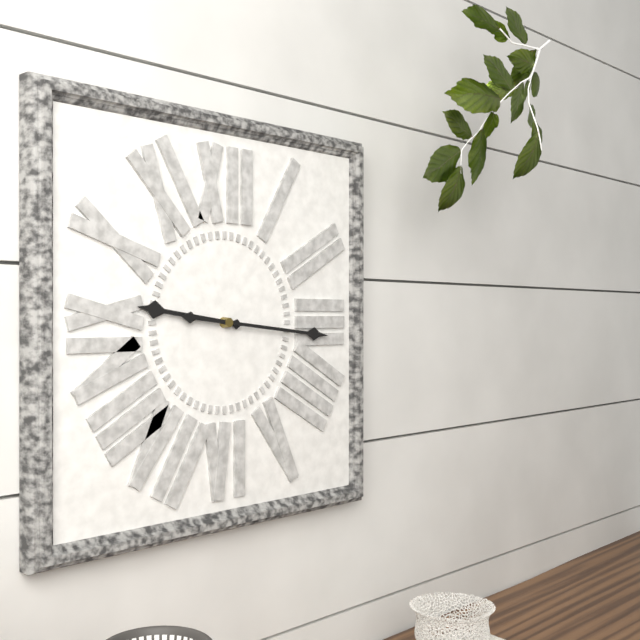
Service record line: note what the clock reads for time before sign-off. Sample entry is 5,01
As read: 9,16
